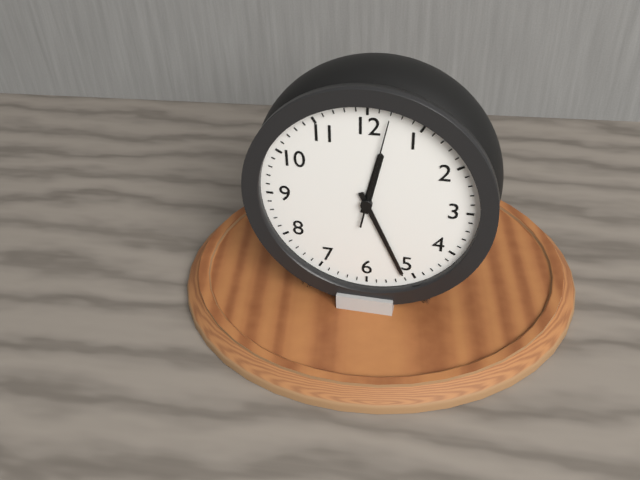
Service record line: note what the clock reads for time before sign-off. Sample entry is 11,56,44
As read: 12,26,02
